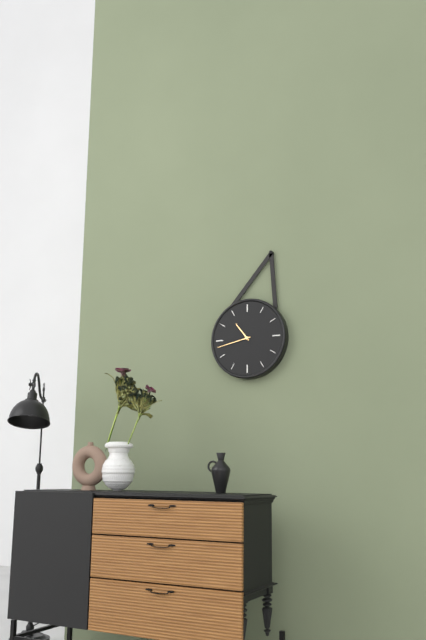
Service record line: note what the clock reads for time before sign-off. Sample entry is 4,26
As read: 10,43
